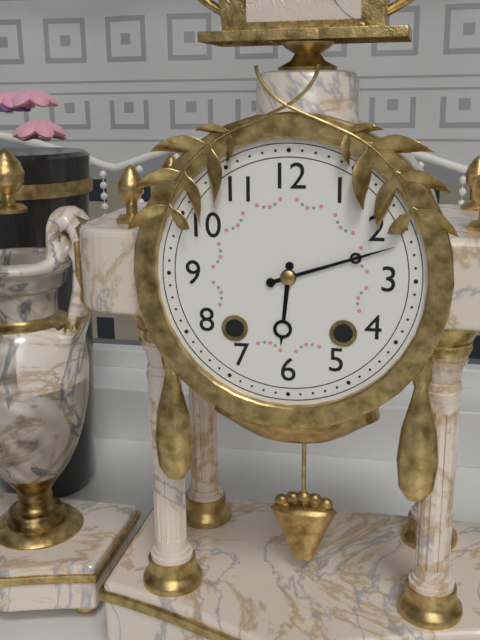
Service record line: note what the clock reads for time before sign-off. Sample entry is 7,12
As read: 6,12
